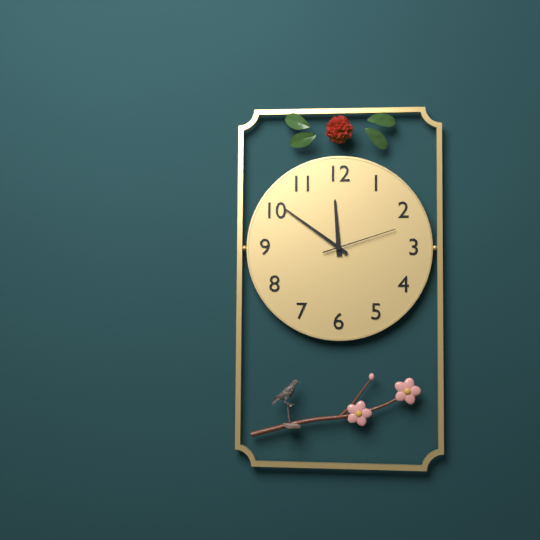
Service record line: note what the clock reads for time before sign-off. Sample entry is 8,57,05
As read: 11,51,12
